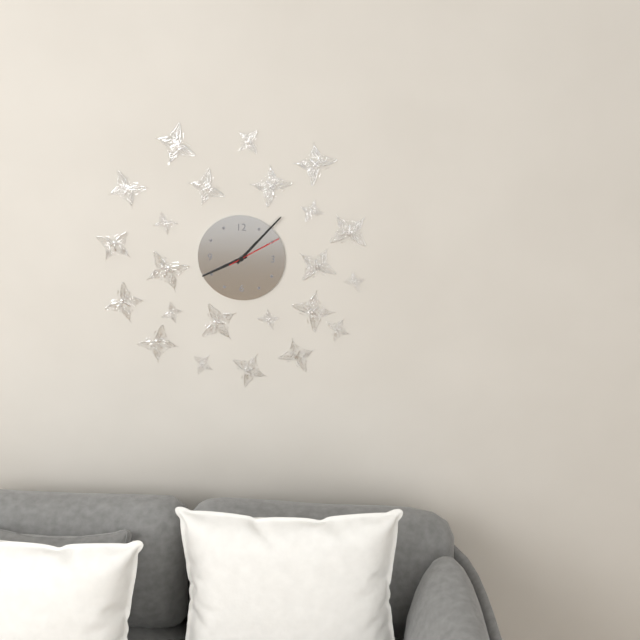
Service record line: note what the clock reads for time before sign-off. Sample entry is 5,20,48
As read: 8,07,10
